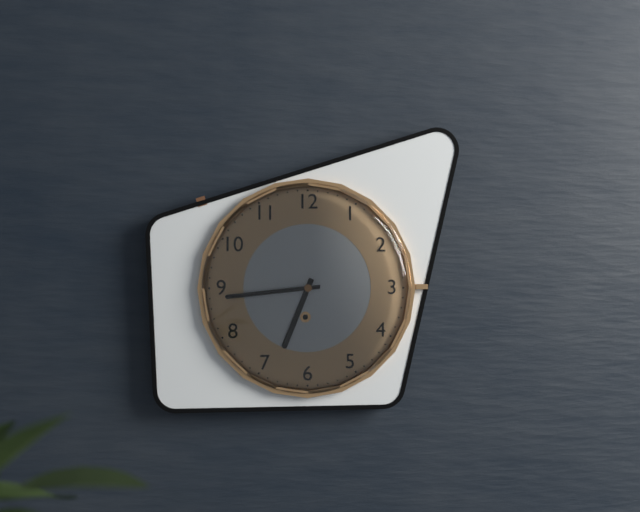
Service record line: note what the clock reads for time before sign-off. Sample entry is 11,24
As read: 6,44
